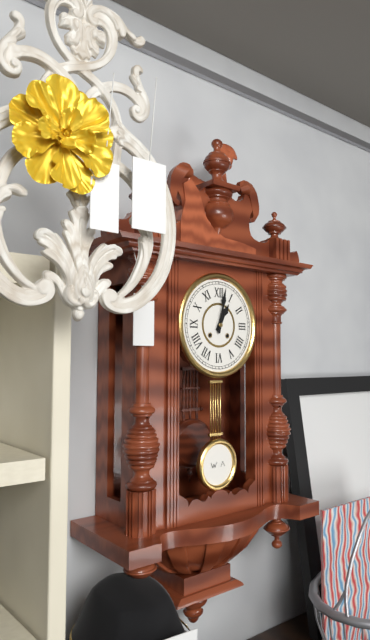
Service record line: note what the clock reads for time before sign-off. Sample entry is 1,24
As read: 1,02
